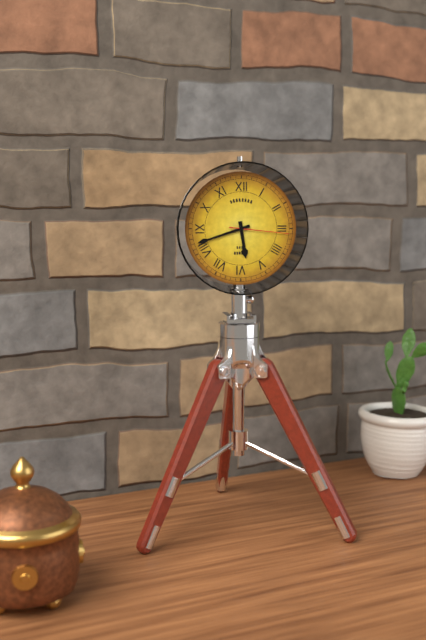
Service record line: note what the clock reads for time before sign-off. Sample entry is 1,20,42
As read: 5,42,16
